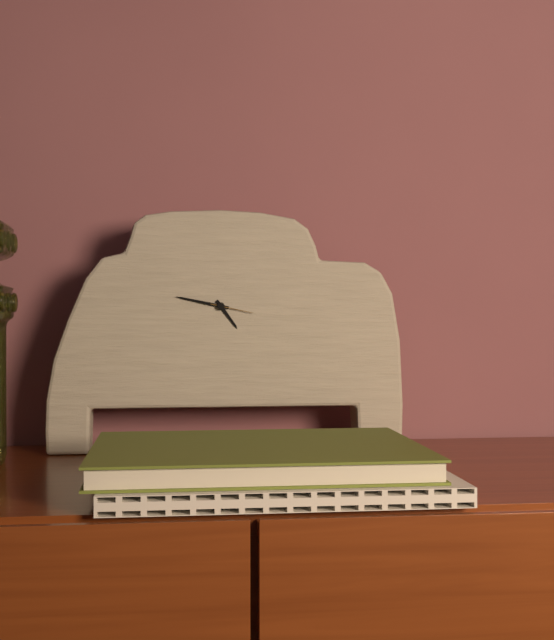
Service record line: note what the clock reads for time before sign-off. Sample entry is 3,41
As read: 4,47
